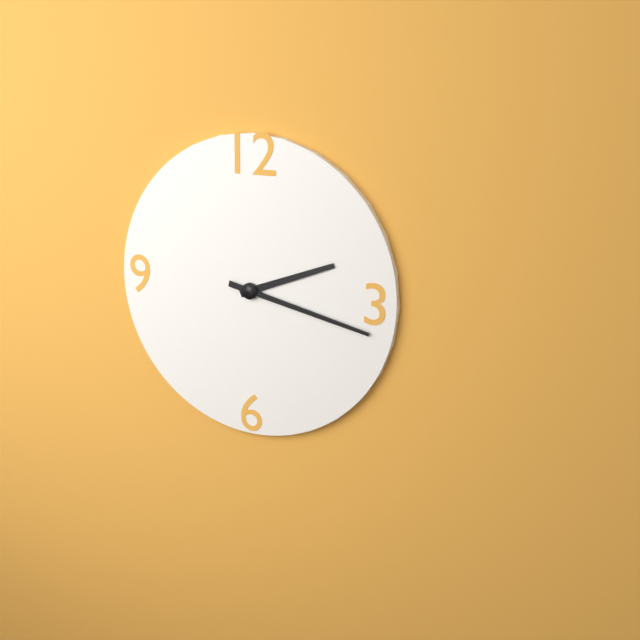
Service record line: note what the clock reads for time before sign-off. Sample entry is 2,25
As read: 2,17
